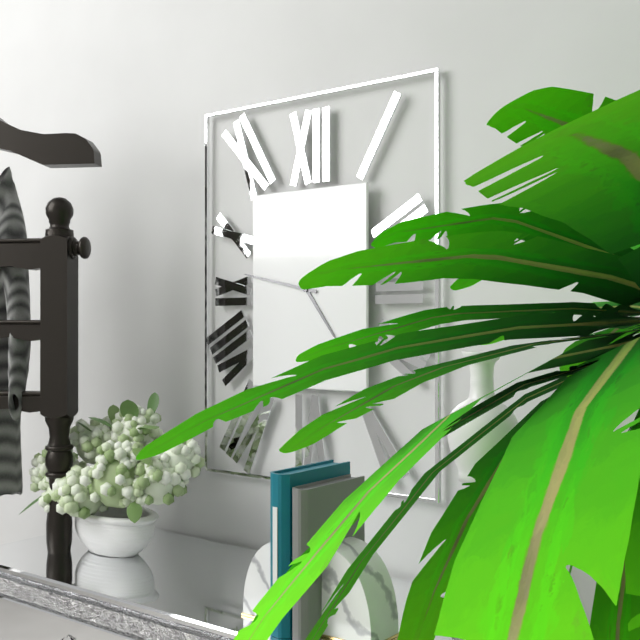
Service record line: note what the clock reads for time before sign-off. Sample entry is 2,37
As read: 4,47
